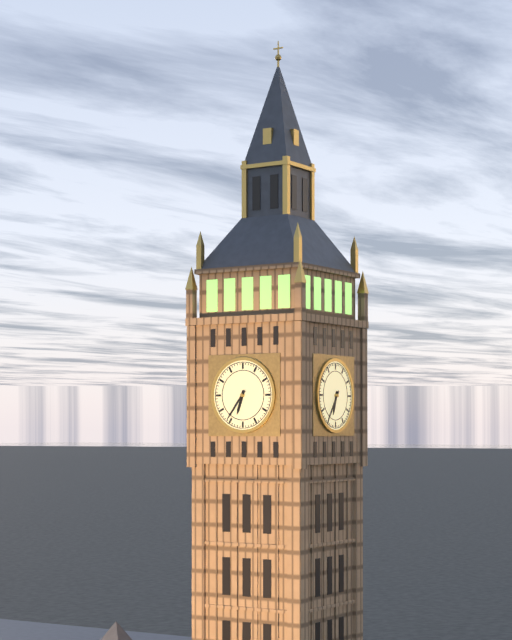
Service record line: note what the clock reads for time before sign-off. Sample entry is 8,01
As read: 6,36
